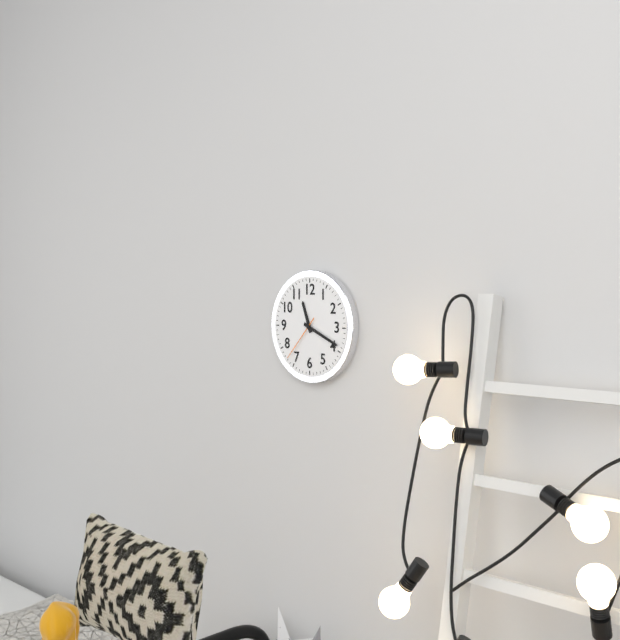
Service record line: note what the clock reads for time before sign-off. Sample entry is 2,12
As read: 11,19
